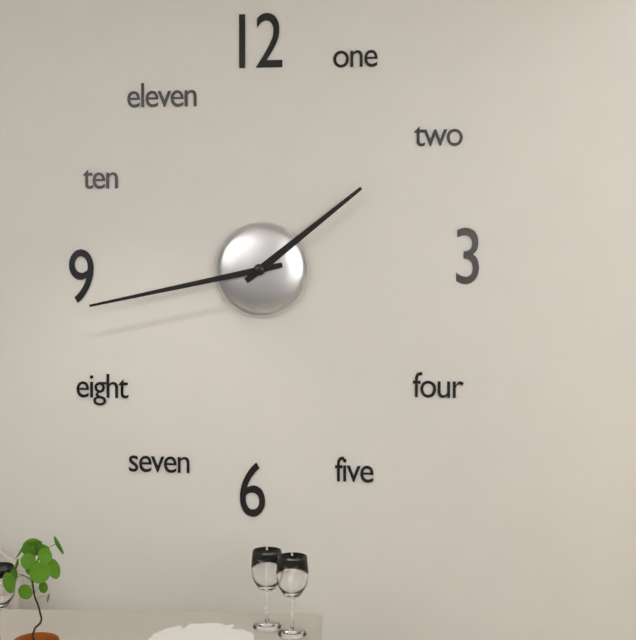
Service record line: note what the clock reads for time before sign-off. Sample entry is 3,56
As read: 1,43
